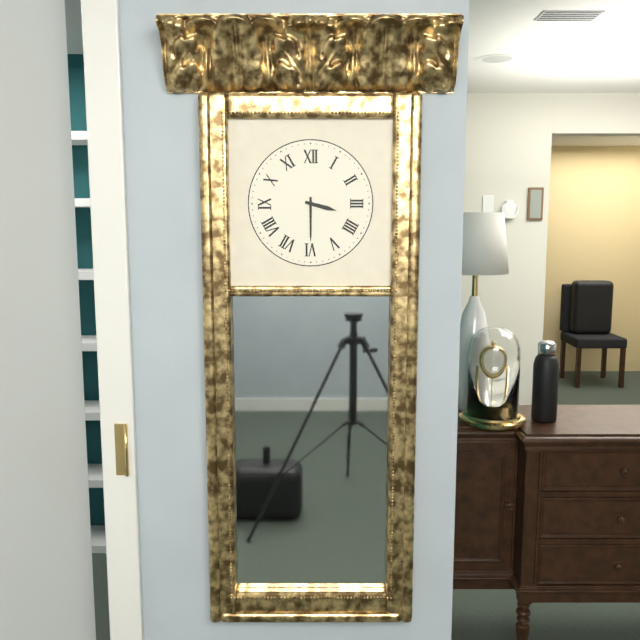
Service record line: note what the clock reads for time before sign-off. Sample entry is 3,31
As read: 3,30
